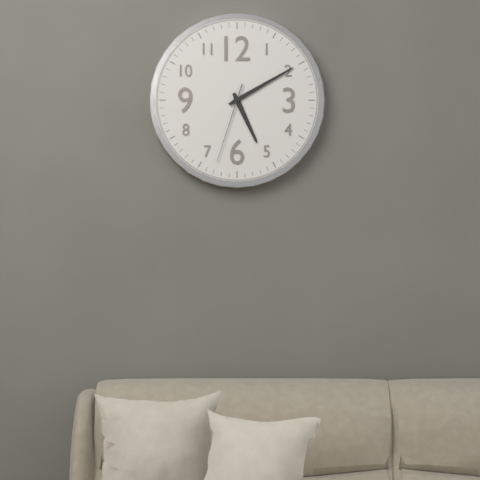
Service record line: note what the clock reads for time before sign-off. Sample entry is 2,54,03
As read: 5,10,33
